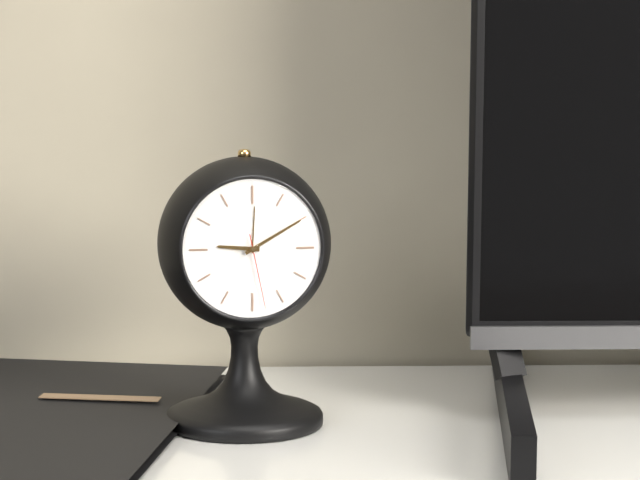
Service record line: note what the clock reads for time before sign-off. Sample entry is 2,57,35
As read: 9,10,28
